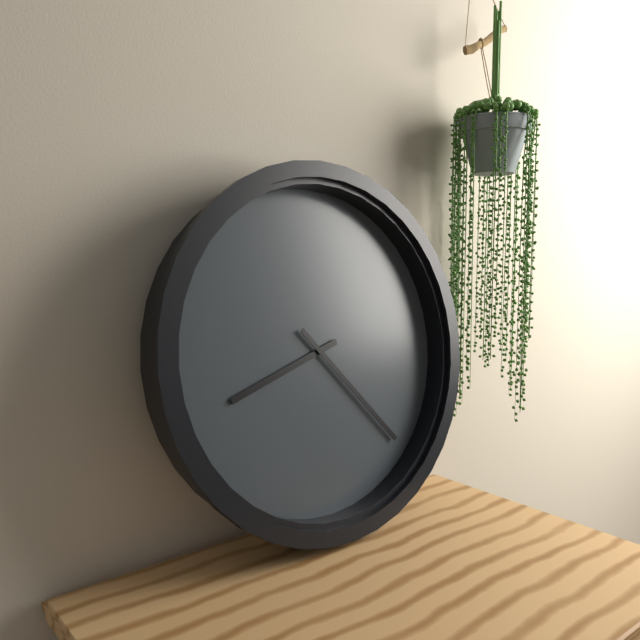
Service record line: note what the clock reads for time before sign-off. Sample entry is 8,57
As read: 8,23
